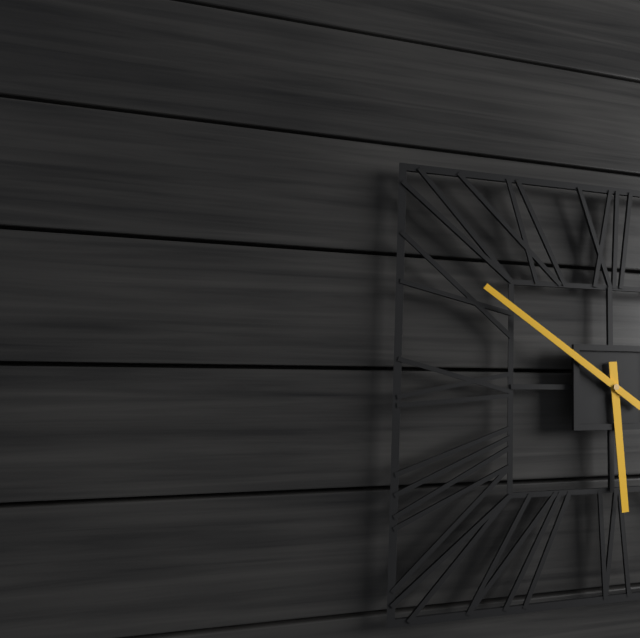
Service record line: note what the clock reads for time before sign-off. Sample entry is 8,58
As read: 5,51
